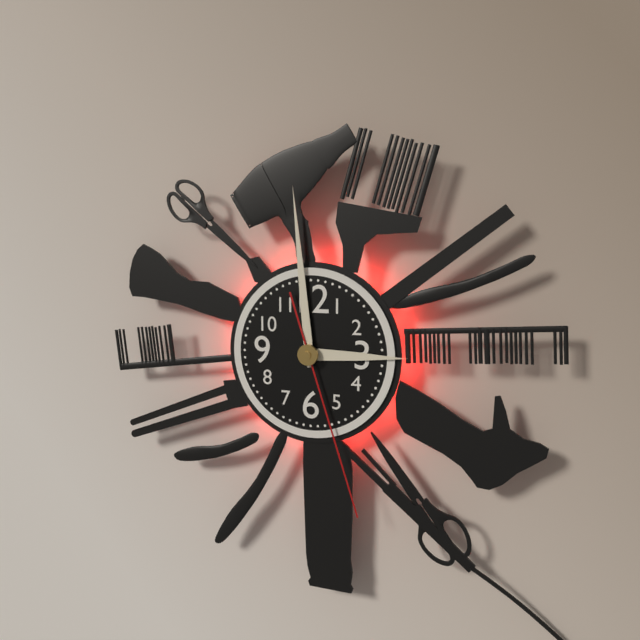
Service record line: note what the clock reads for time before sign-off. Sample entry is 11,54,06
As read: 2,59,27
